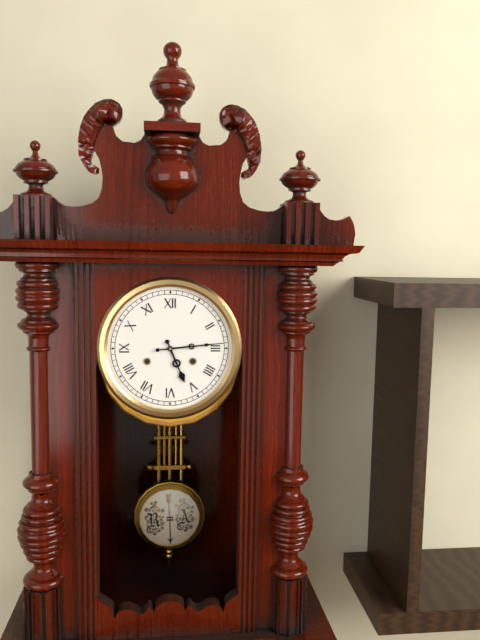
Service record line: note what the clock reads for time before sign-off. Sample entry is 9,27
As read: 5,14
